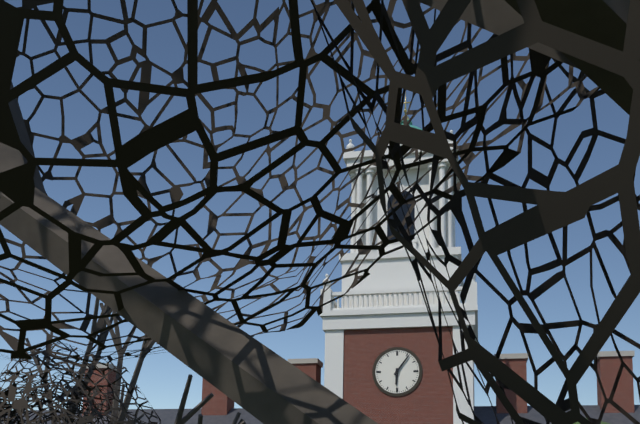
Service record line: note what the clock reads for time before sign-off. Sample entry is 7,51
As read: 6,06
